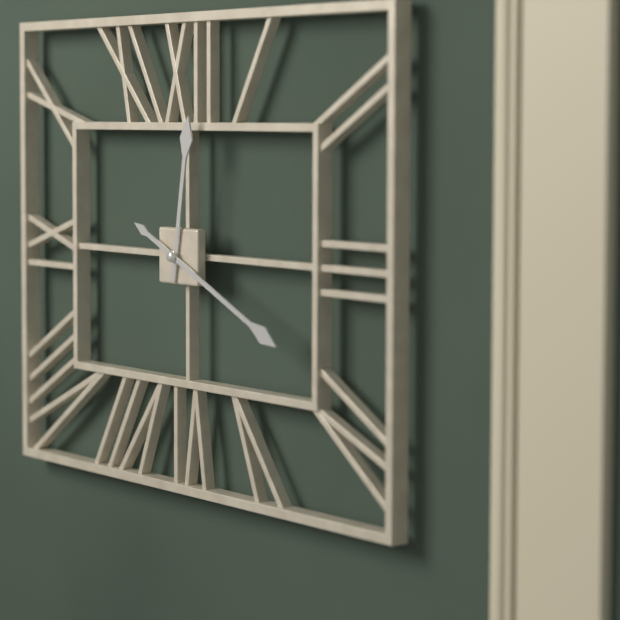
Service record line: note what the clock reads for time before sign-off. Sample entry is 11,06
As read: 12,19
